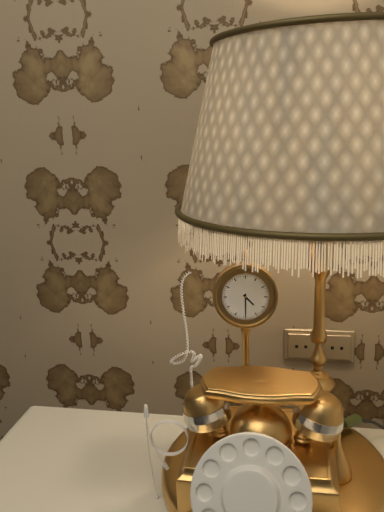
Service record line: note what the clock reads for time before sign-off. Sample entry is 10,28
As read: 4,30
